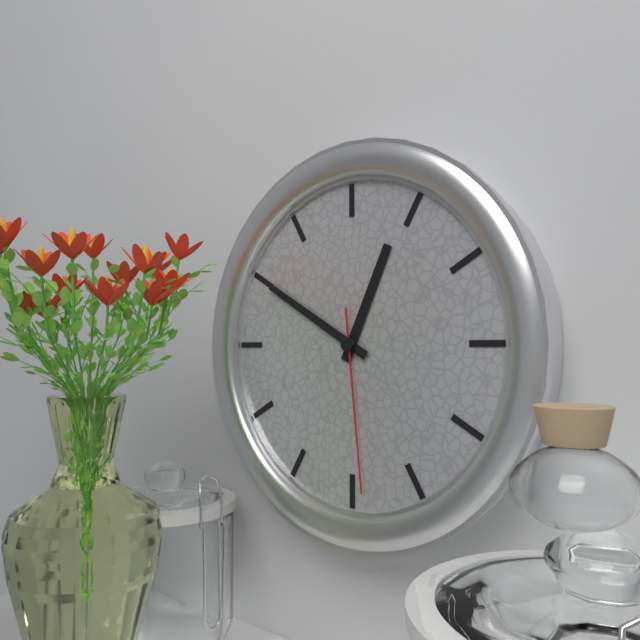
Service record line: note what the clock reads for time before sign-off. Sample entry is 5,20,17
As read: 12,50,29
